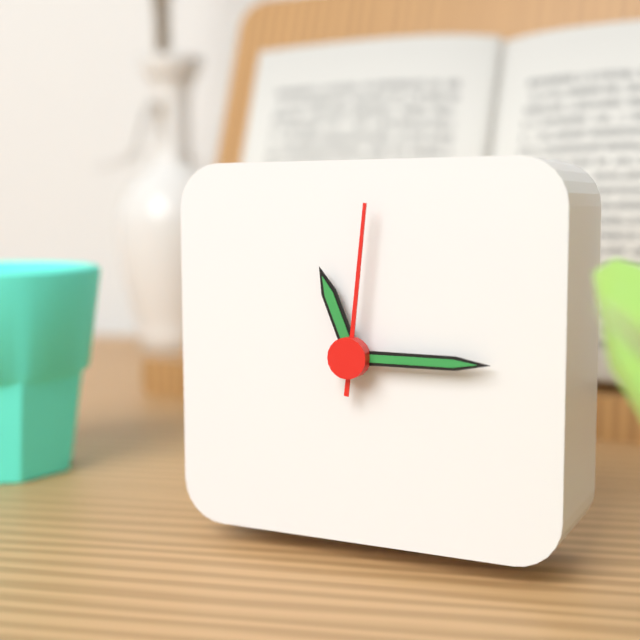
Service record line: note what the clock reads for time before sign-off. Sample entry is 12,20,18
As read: 11,15,01
